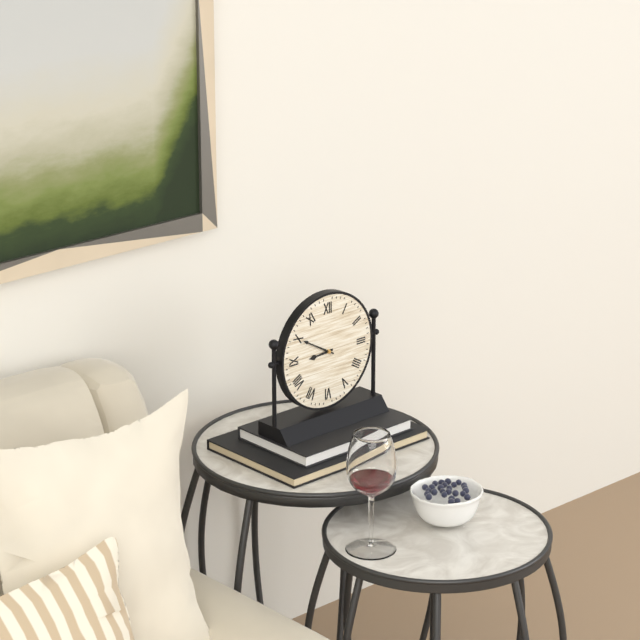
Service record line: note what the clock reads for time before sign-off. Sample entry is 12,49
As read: 8,50
